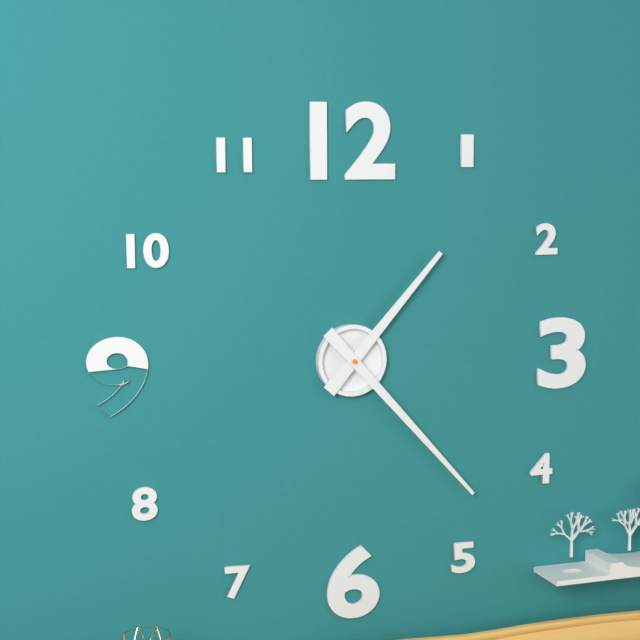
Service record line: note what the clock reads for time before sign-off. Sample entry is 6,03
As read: 1,23
